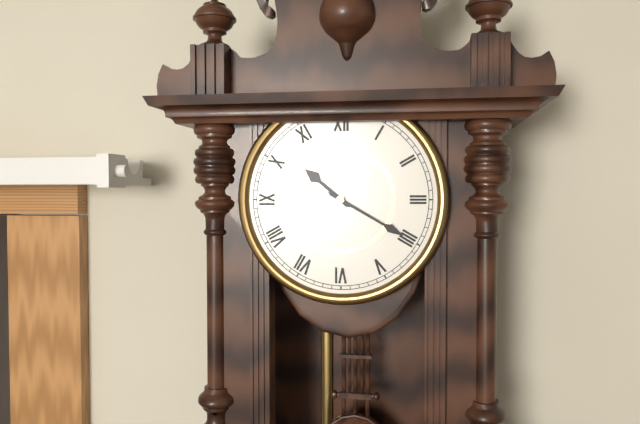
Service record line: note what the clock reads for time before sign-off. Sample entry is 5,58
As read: 10,20
